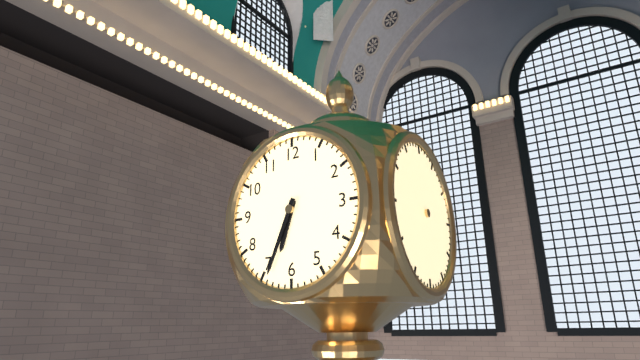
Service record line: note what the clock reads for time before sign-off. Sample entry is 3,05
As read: 6,34
